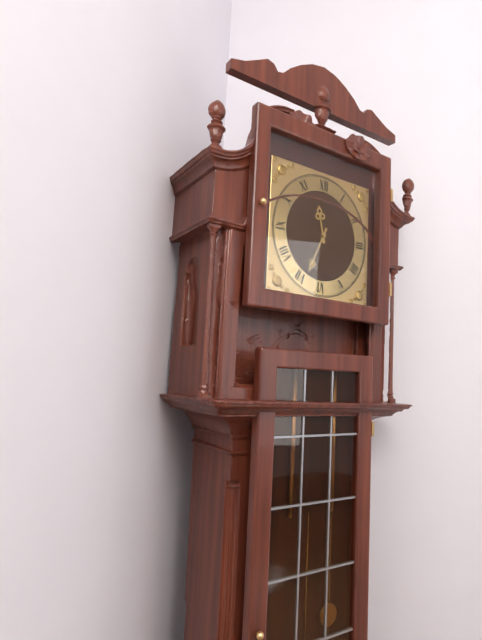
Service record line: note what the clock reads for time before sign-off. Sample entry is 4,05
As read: 11,34
